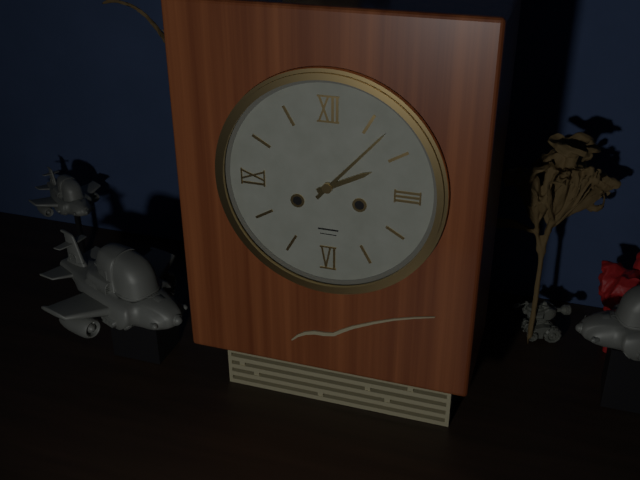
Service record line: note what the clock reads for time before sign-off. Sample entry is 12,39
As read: 2,07
